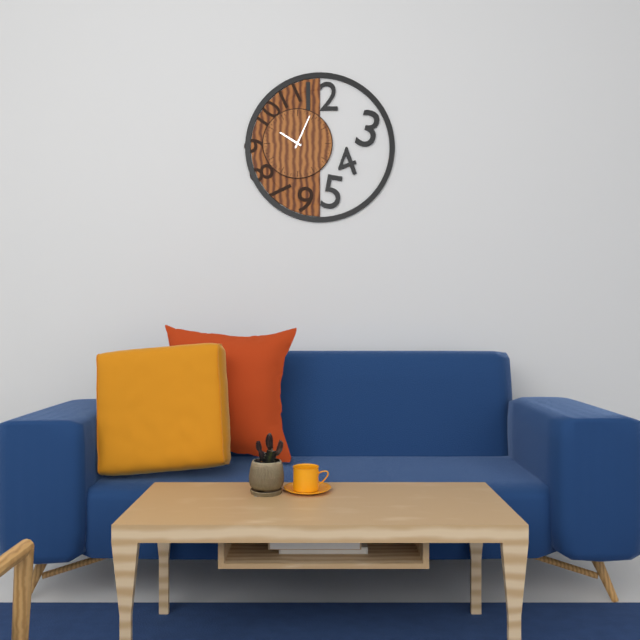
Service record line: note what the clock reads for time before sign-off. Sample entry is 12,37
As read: 10,04
